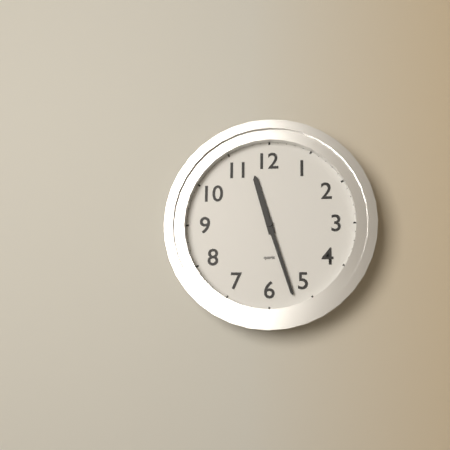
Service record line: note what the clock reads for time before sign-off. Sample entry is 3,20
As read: 11,27
